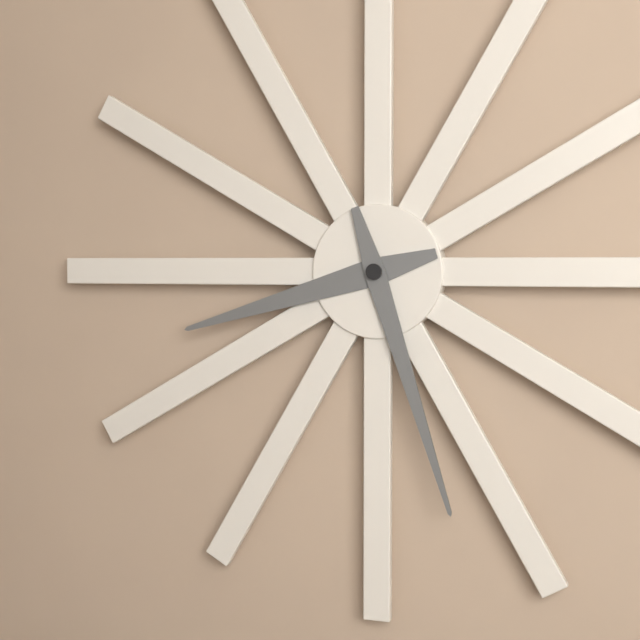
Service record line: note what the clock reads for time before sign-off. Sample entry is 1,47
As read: 8,27
